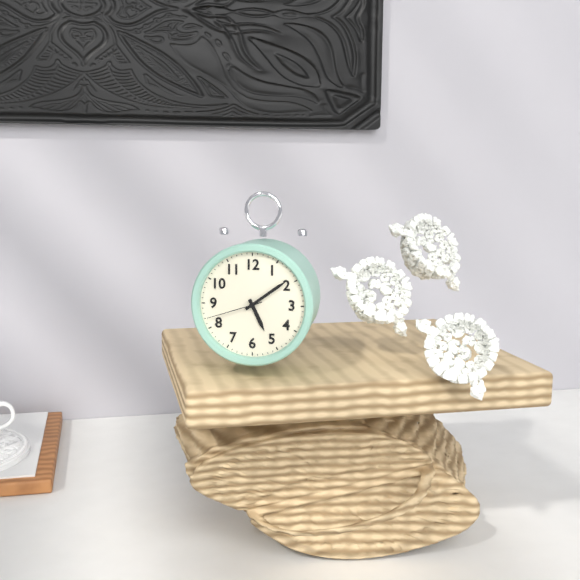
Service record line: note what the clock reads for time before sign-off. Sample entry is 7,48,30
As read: 5,09,42
